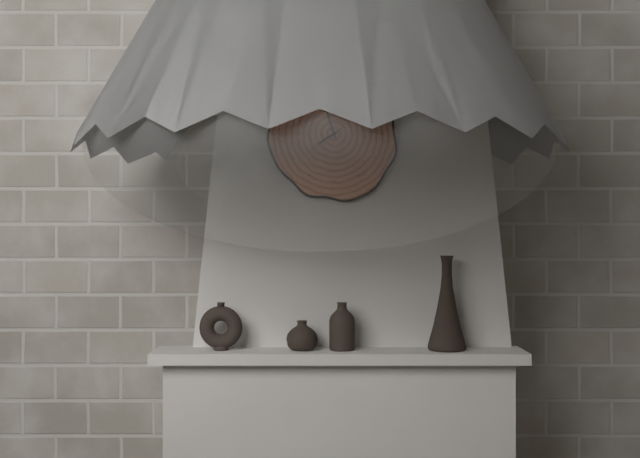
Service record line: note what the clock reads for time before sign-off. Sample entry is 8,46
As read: 7,57
